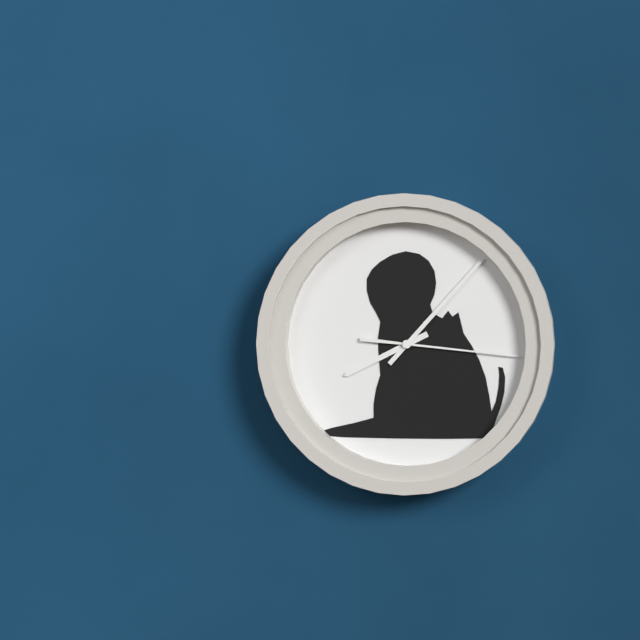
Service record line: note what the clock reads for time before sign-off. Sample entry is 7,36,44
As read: 8,07,16
